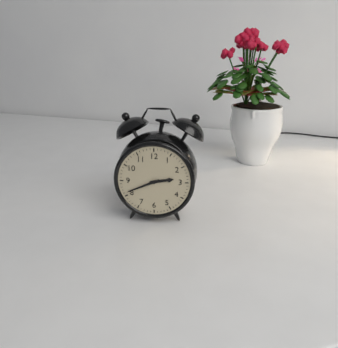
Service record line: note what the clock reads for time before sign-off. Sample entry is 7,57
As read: 2,41
